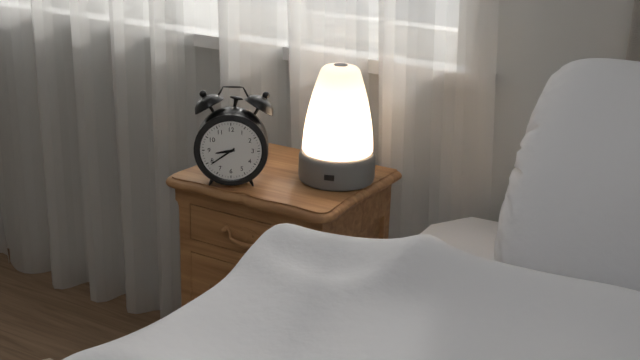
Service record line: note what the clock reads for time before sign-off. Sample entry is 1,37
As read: 8,39
